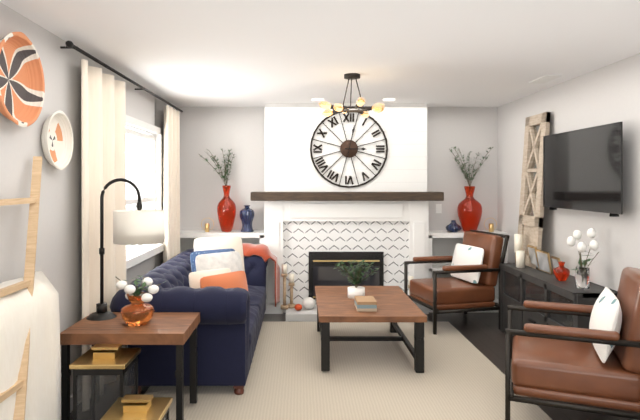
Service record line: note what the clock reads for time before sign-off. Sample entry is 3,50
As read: 3,02
